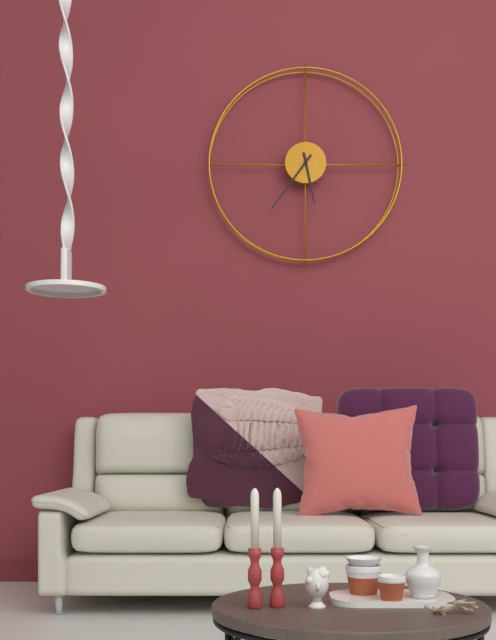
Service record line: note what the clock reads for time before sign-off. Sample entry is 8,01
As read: 5,36
